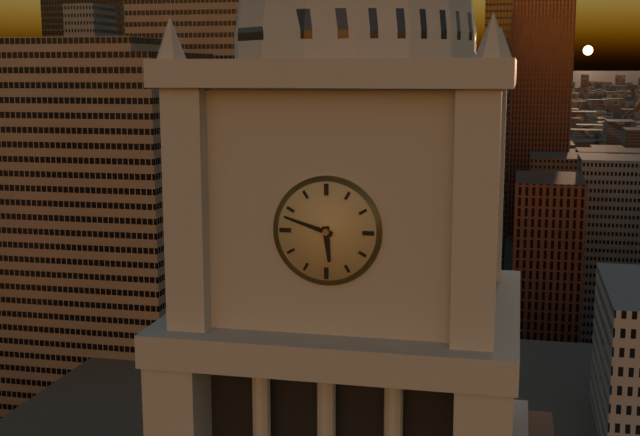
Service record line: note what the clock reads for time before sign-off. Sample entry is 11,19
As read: 5,48
